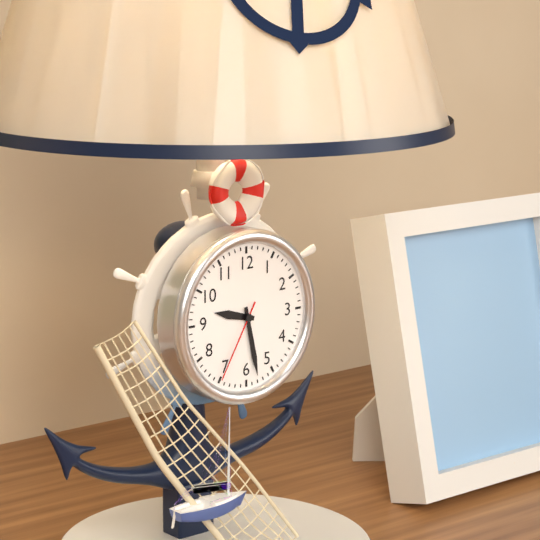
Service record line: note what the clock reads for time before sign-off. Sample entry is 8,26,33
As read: 9,28,35
